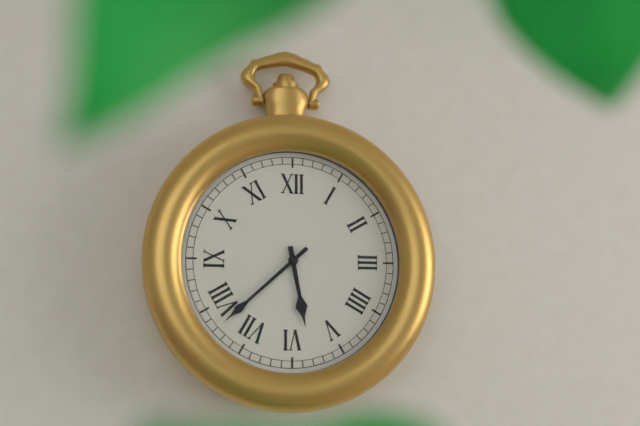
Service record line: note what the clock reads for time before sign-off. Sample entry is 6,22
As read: 5,38
